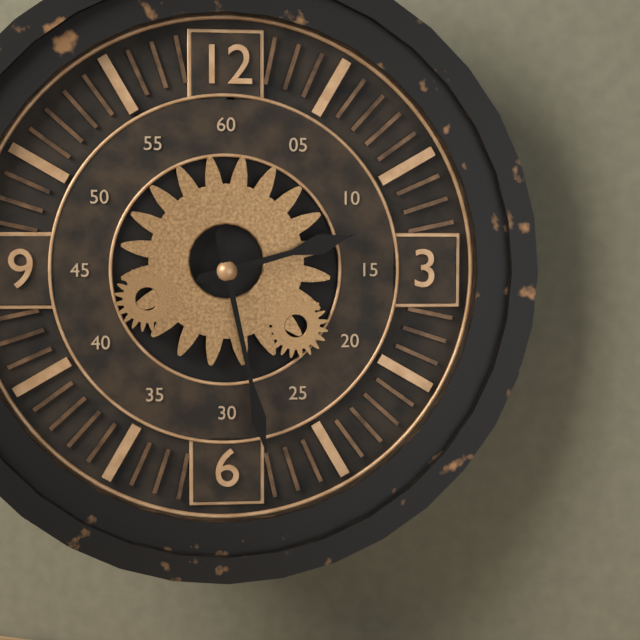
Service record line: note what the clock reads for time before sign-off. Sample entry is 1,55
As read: 2,28
